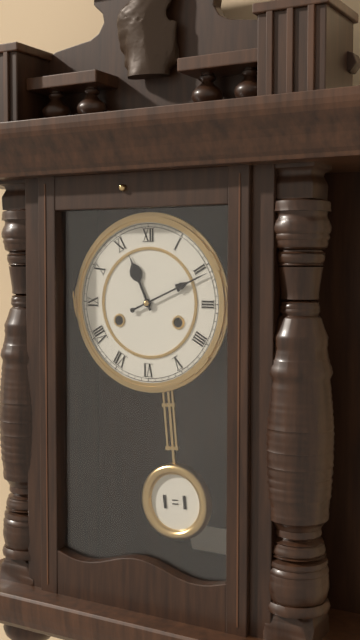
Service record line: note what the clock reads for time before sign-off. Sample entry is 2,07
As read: 11,11
